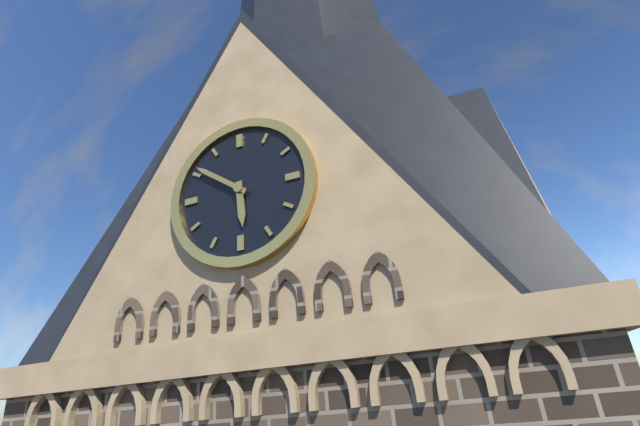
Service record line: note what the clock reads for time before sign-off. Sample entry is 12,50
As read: 5,51
